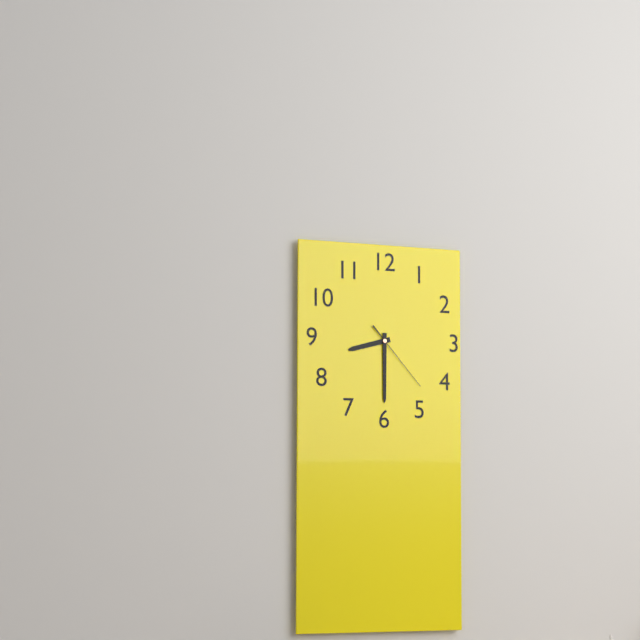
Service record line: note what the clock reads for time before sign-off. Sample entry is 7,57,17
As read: 8,30,23
